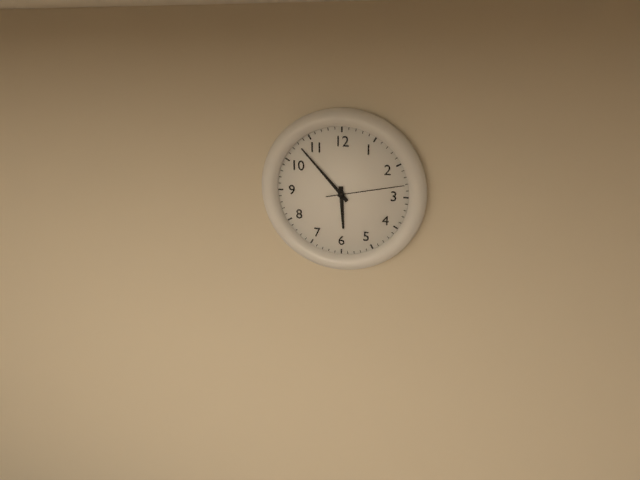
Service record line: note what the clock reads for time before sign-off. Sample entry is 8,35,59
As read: 5,53,13
